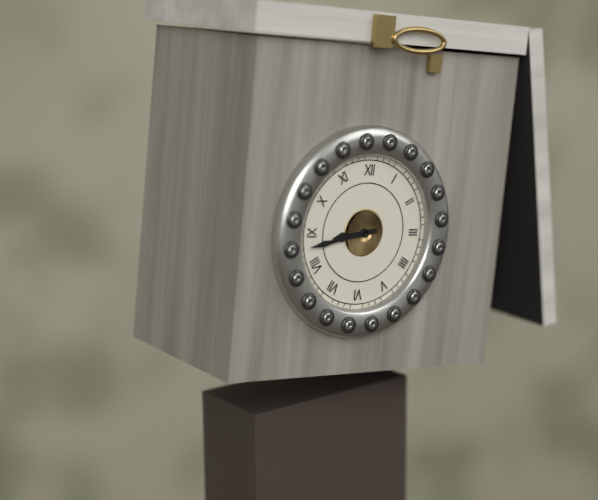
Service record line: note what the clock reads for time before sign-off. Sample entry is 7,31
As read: 8,43
